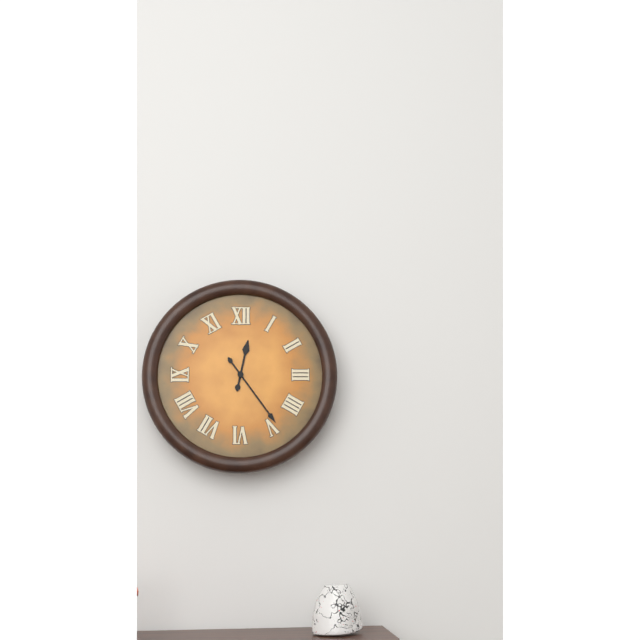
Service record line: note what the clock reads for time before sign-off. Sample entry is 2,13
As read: 12,24
